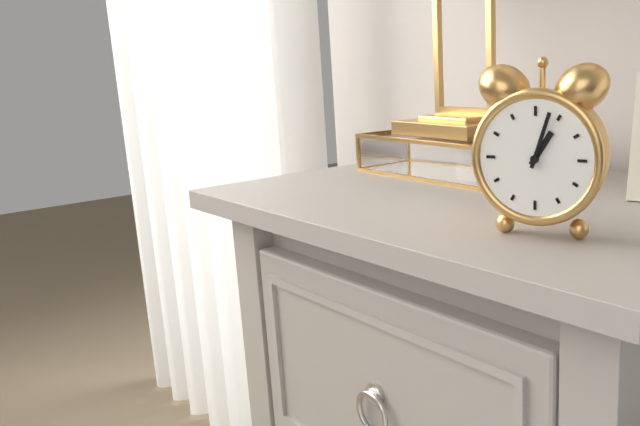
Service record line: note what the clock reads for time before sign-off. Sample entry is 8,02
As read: 1,03
